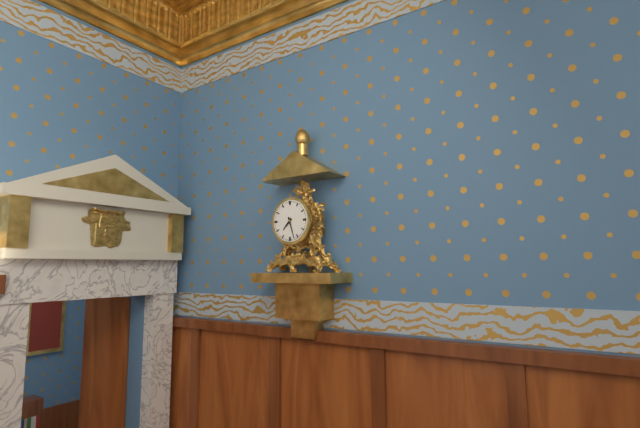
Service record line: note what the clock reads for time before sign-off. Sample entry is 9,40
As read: 7,27
